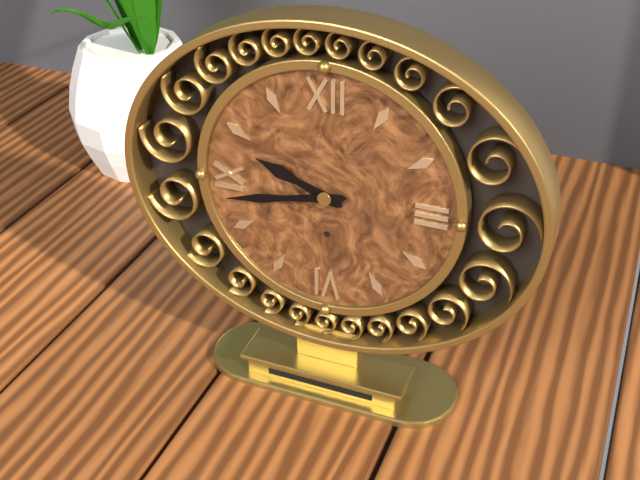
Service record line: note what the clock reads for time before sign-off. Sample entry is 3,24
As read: 9,43
